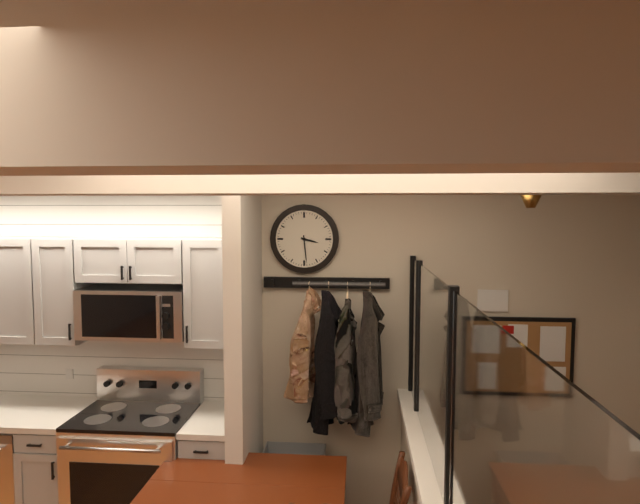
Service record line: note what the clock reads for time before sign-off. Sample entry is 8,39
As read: 3,29
